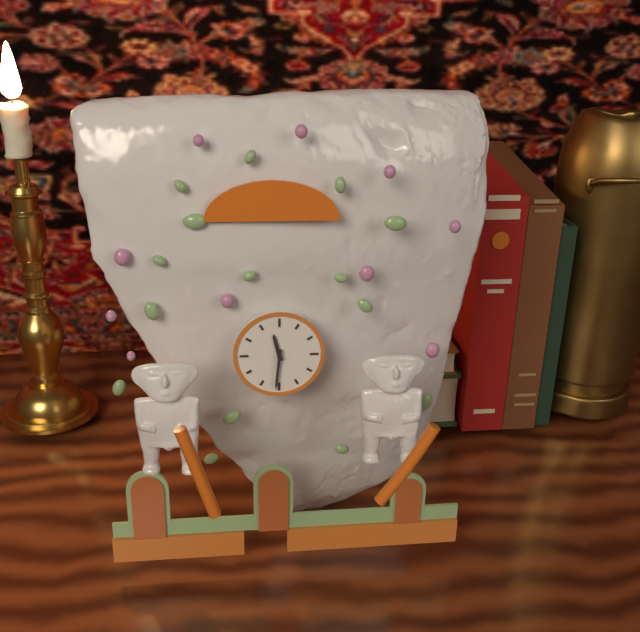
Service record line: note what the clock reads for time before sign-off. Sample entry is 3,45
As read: 11,31
